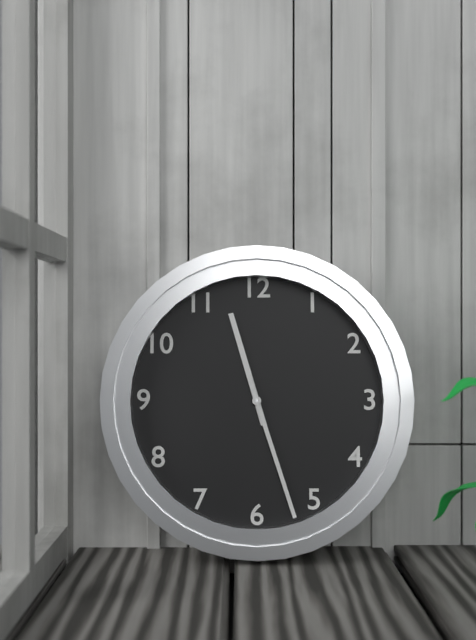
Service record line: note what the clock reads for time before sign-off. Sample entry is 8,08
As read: 11,27
